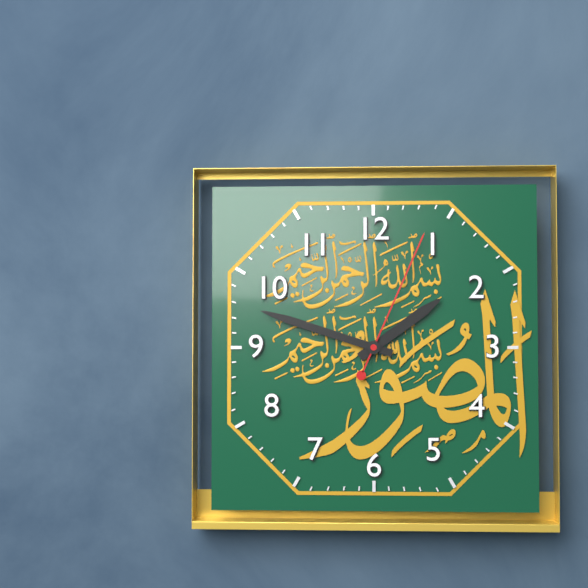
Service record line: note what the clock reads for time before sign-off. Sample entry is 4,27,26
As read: 1,48,04
